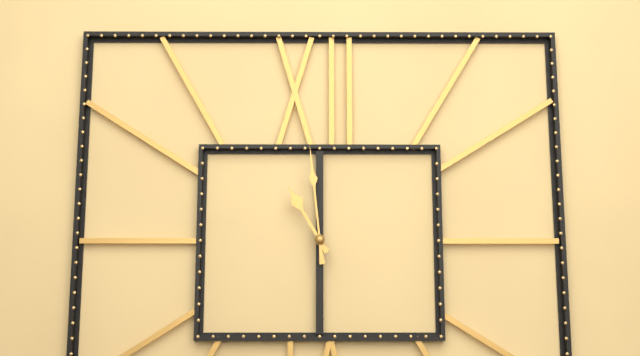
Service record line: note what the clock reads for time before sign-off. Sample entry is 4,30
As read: 10,59
